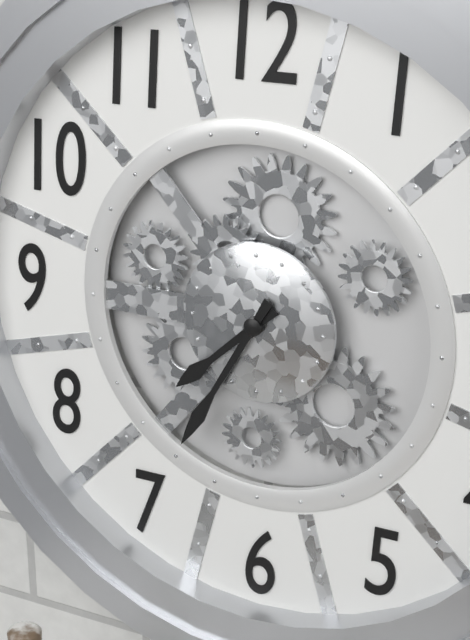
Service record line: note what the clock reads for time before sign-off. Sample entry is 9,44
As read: 7,35
